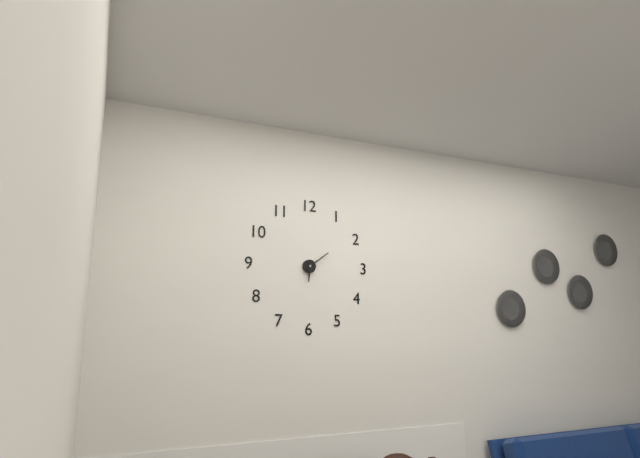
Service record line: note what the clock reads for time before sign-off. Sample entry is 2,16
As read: 6,09
